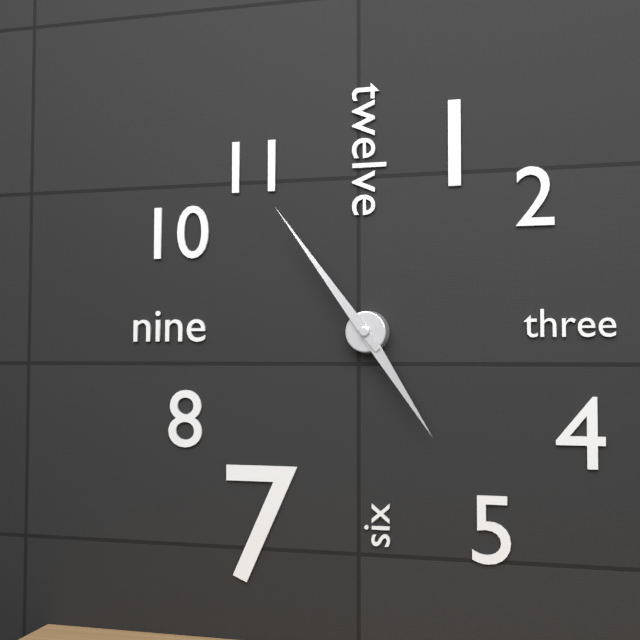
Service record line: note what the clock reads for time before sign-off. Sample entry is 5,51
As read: 4,54
